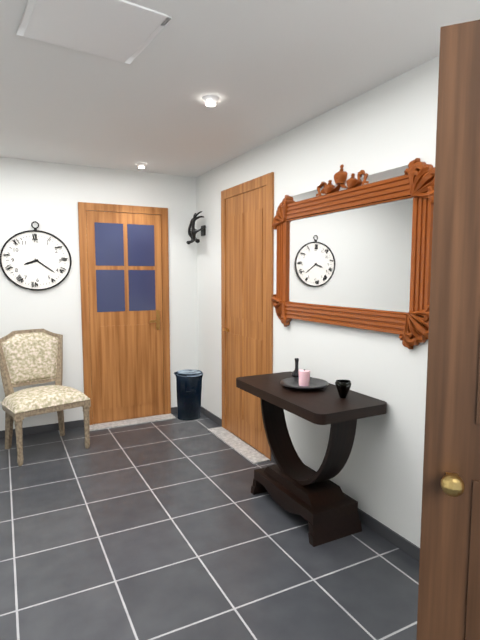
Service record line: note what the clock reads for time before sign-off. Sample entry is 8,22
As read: 8,21
